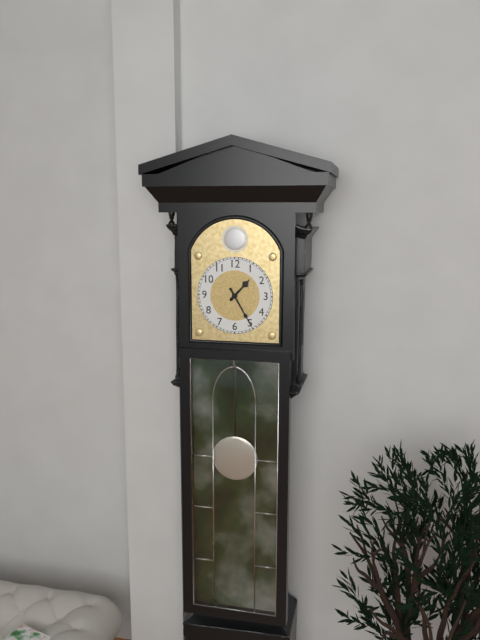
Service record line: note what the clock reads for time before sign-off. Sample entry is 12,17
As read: 1,25
